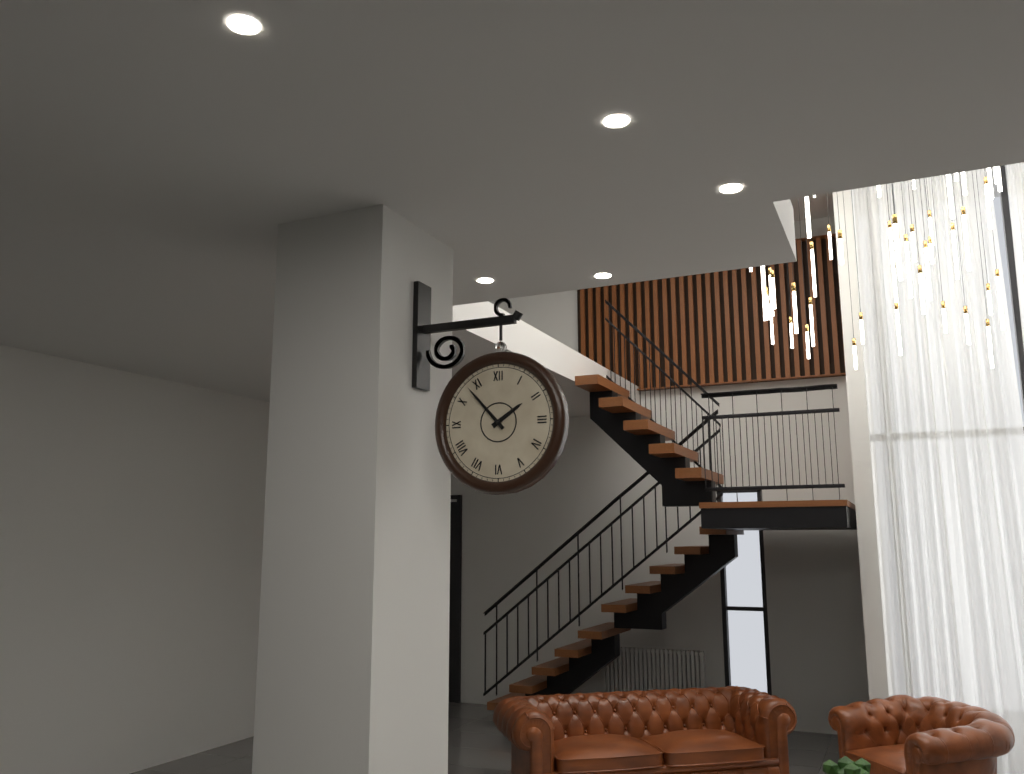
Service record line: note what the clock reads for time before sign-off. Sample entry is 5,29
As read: 1,53
